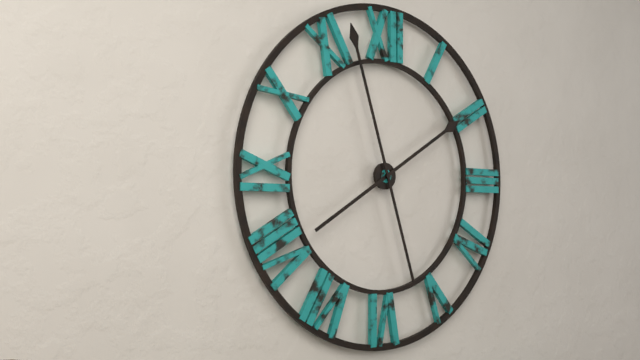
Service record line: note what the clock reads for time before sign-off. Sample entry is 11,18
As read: 1,57
